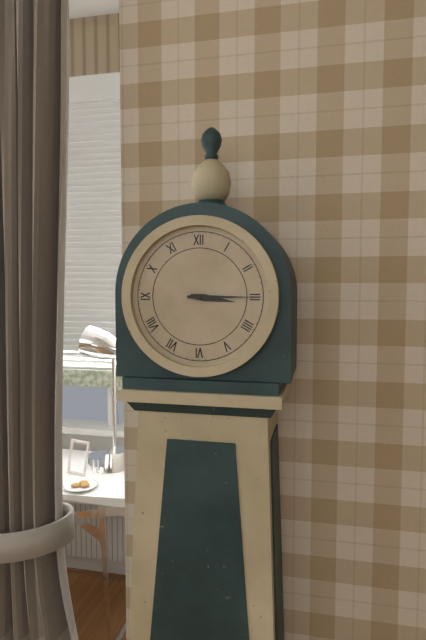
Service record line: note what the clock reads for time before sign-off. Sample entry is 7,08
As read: 3,15
